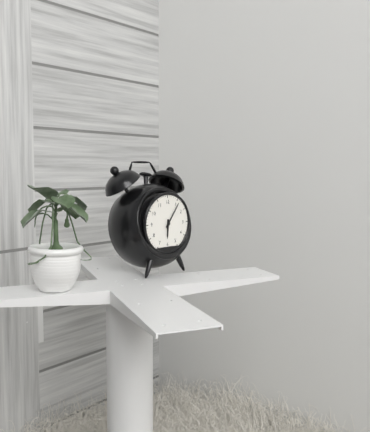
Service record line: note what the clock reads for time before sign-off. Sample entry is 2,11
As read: 6,06
